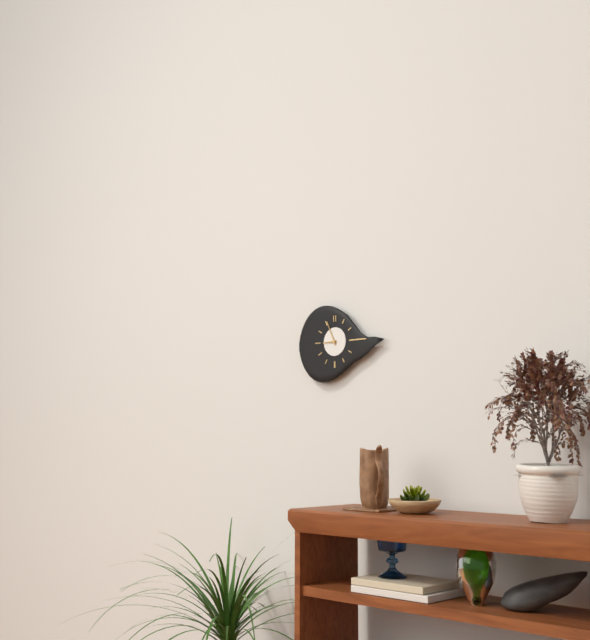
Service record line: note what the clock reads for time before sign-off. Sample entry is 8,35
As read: 8,56
